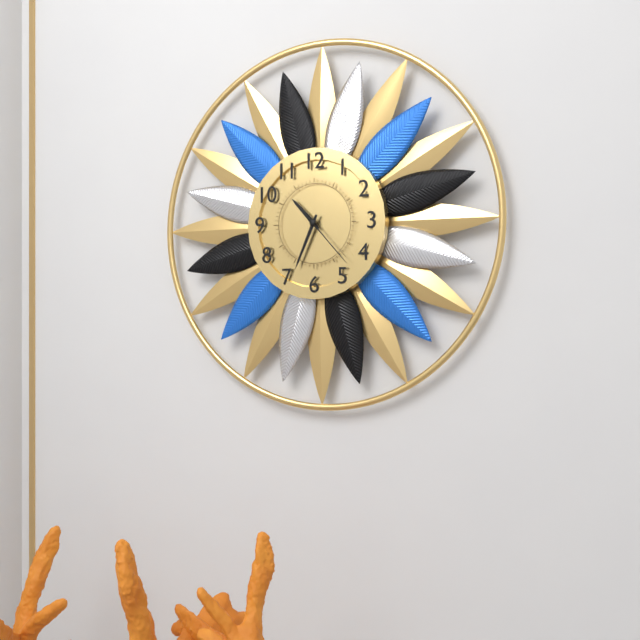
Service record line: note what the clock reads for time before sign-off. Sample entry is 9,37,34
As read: 10,34,23
